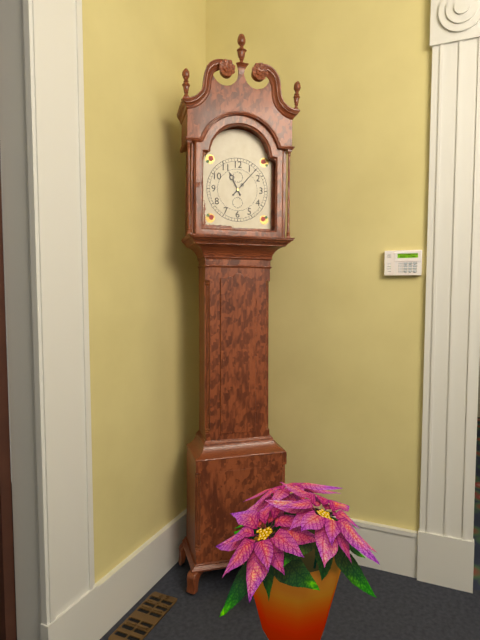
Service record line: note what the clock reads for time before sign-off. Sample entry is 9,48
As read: 11,07
